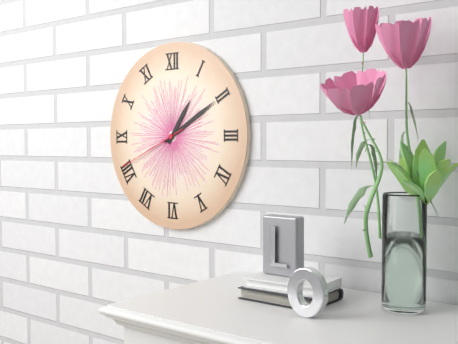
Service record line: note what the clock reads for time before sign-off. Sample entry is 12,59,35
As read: 1,10,41
